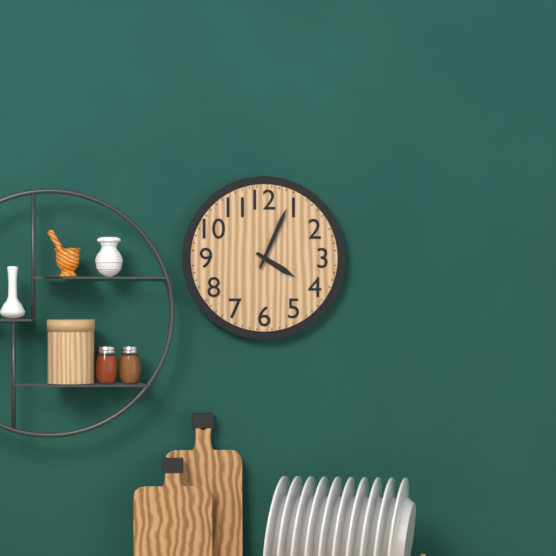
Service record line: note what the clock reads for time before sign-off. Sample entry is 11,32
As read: 4,04
